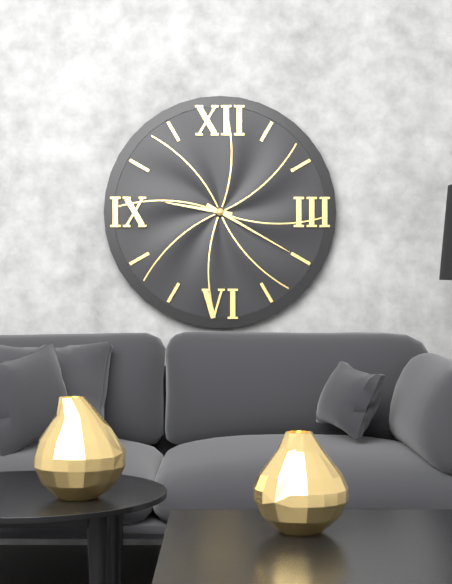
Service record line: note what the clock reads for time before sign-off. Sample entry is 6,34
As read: 9,20
